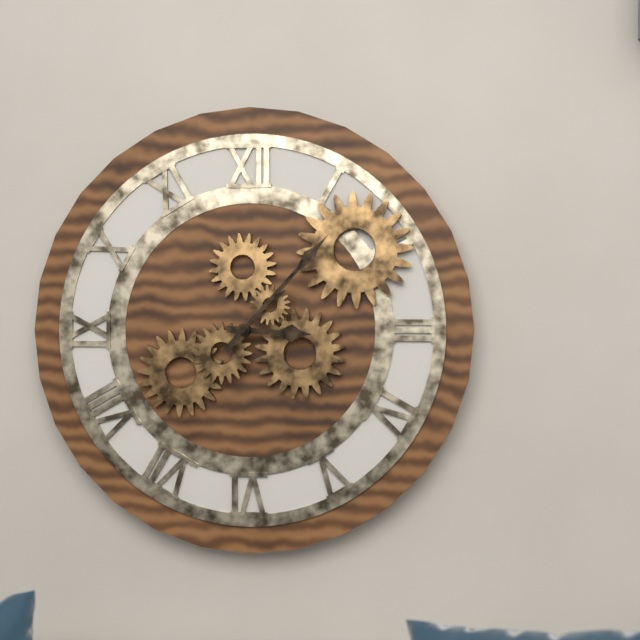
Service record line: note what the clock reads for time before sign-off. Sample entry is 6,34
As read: 3,07
